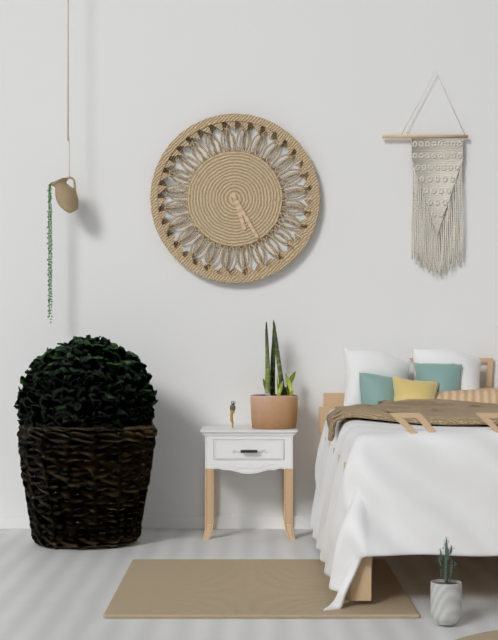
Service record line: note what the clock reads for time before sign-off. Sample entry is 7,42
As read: 5,25
